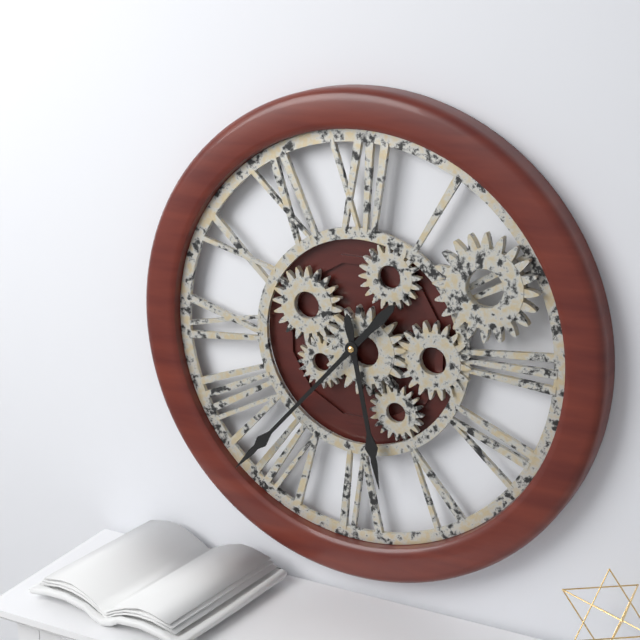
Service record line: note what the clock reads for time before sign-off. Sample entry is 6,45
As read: 5,37
